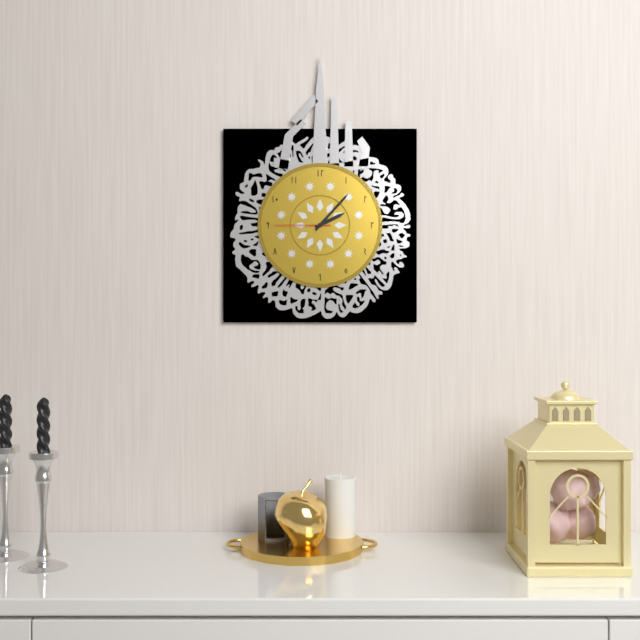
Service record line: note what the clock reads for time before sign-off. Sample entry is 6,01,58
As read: 2,07,45
